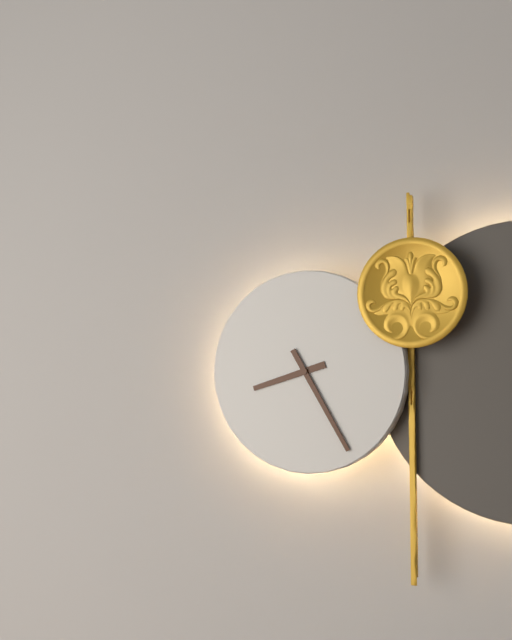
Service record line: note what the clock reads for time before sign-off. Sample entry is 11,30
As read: 8,25
